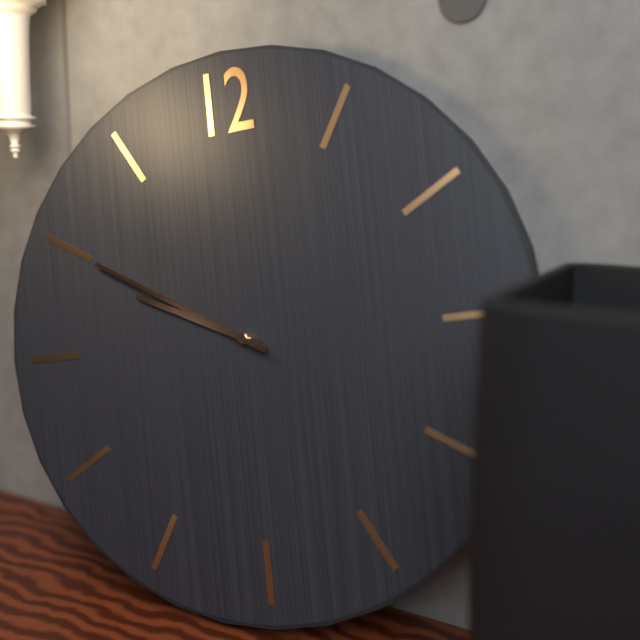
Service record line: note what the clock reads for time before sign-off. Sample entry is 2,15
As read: 9,50
